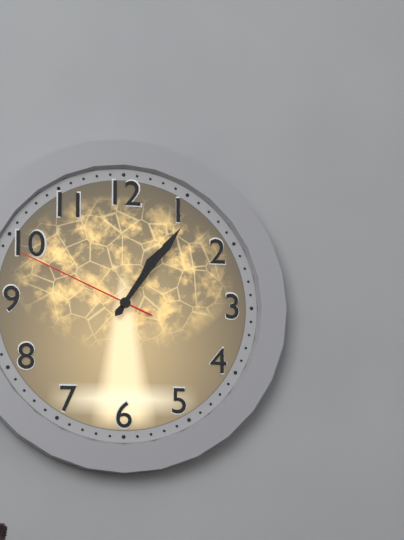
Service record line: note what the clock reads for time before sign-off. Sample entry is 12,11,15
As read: 1,06,49
